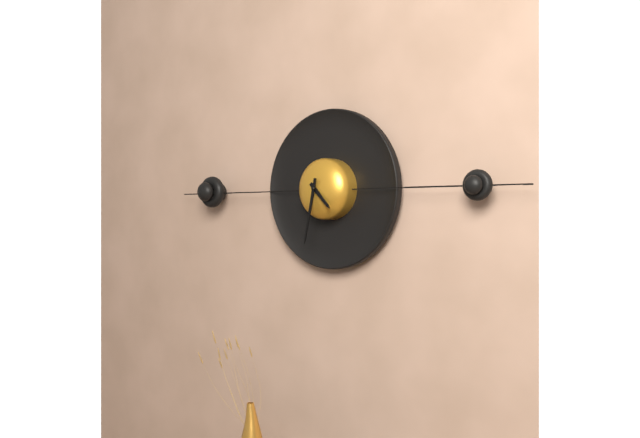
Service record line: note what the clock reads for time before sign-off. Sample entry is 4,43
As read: 4,32
